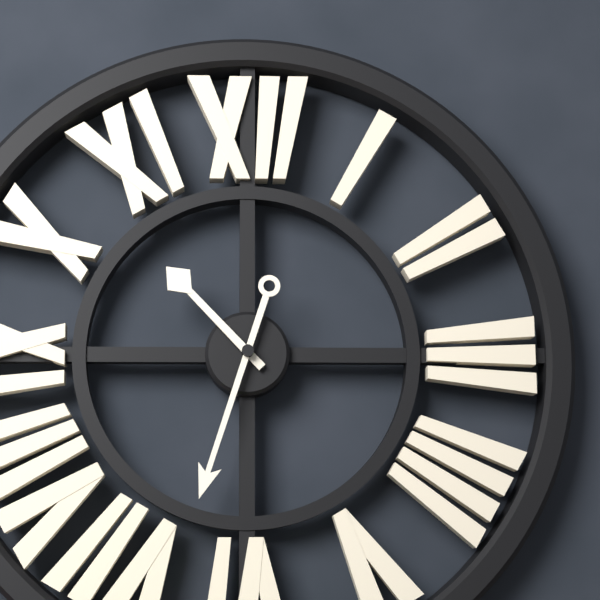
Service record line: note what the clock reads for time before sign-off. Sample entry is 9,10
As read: 10,33
